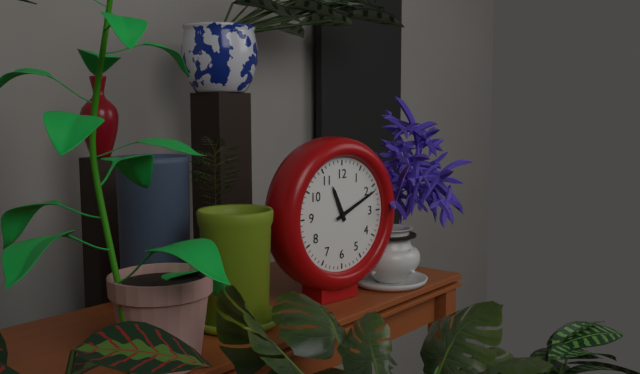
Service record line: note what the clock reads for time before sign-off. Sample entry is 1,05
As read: 11,11
